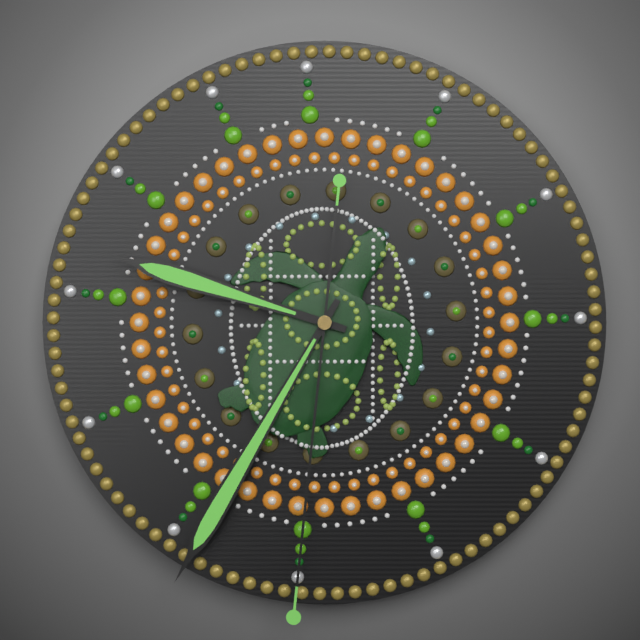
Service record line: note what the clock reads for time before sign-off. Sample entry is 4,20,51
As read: 9,35,31
